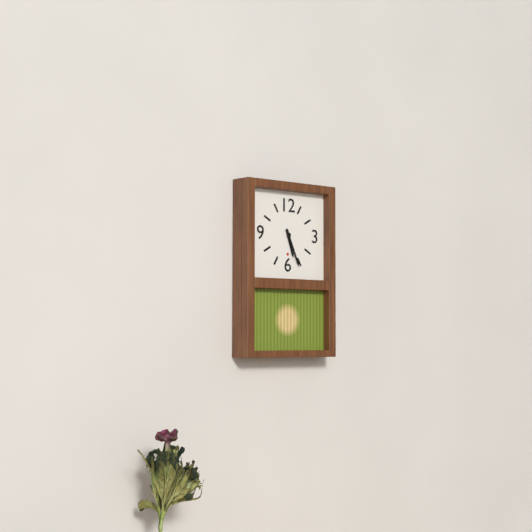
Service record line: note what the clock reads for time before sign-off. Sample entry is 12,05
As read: 5,26
